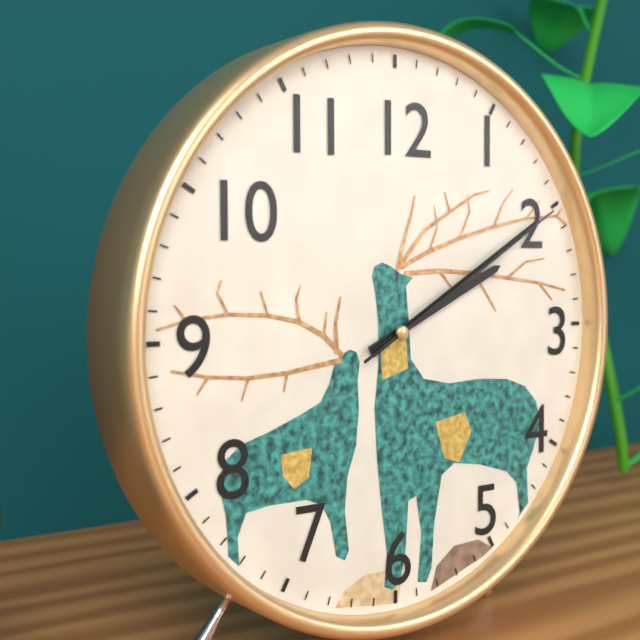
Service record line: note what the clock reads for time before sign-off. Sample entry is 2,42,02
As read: 2,10,10
